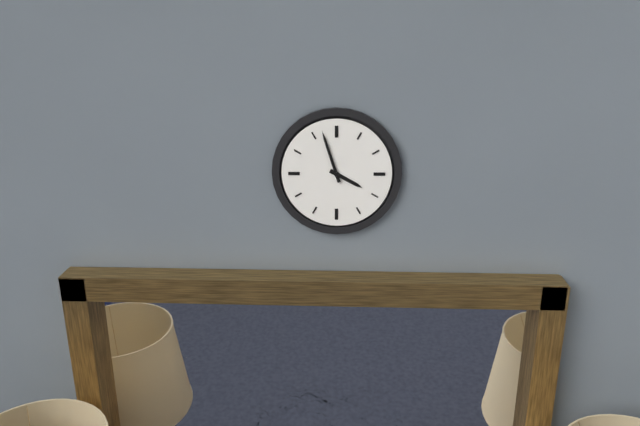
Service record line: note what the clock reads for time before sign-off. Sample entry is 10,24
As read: 3,57
